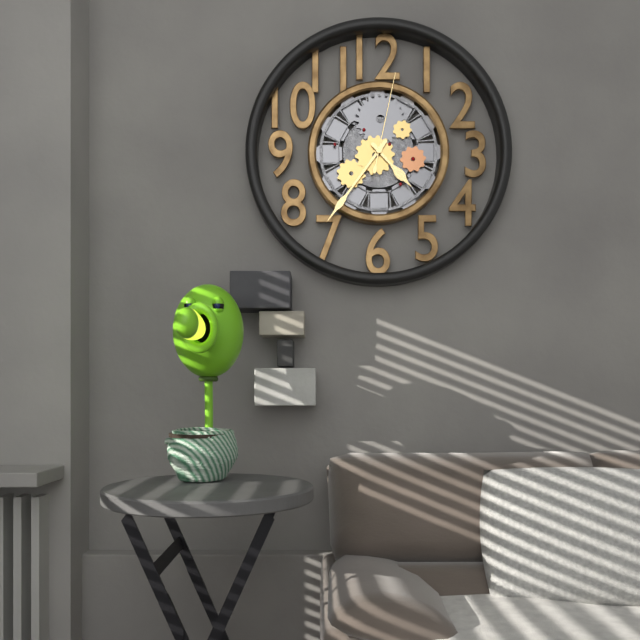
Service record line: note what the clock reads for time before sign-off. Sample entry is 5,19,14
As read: 4,36,02
